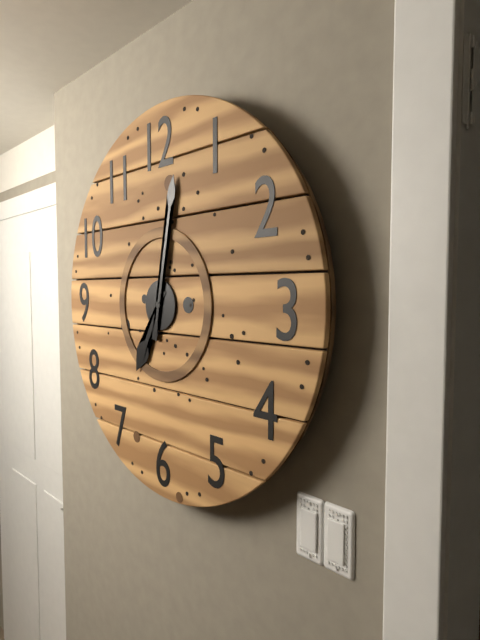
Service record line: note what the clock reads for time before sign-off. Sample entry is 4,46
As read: 7,02
